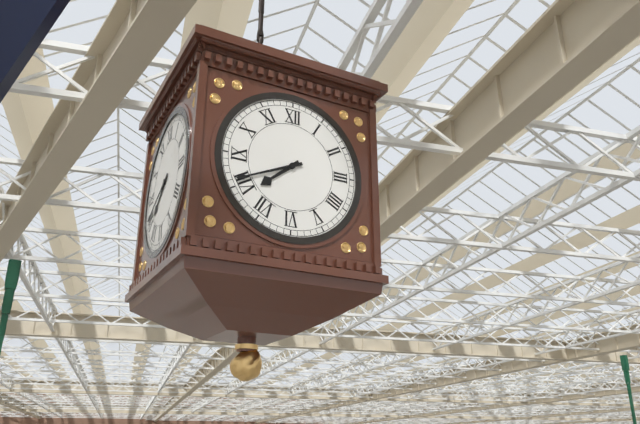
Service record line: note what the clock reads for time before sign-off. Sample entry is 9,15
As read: 7,41
